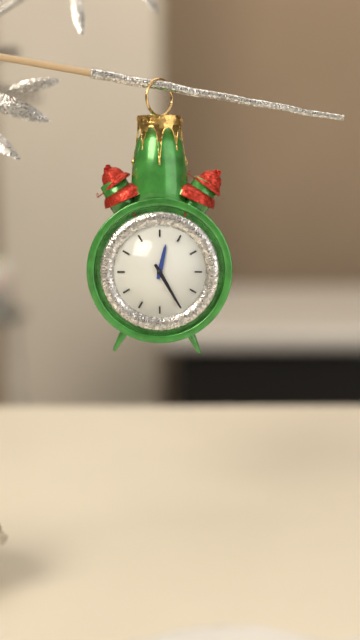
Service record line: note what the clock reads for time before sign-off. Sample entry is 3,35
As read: 12,25
